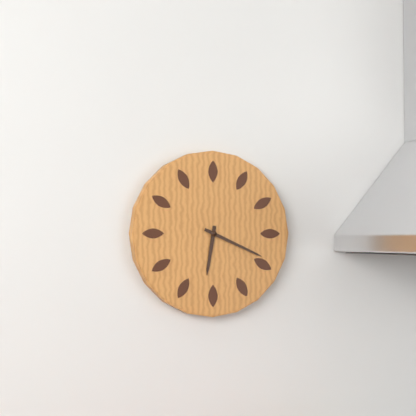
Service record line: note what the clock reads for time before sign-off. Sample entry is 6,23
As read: 6,19
